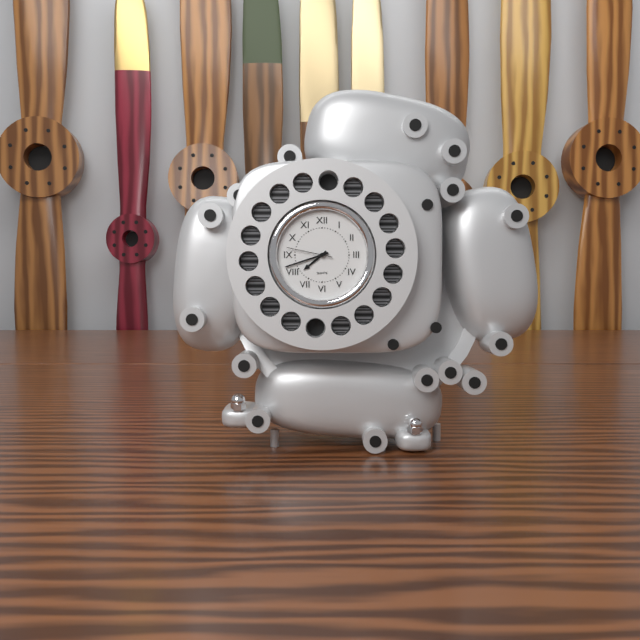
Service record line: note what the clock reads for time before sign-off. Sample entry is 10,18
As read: 7,42
